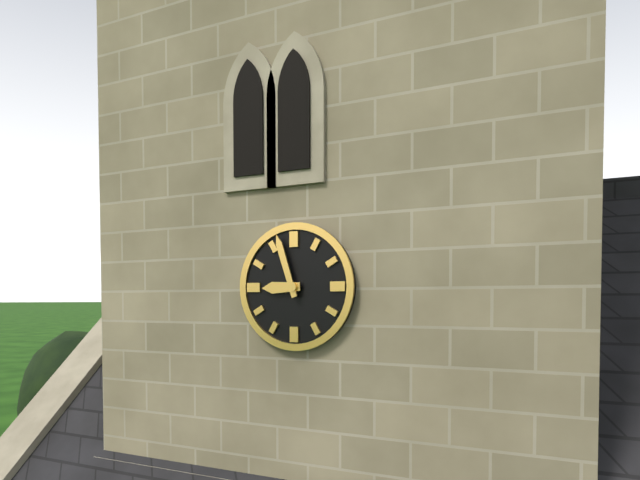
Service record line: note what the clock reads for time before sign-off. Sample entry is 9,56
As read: 8,57
